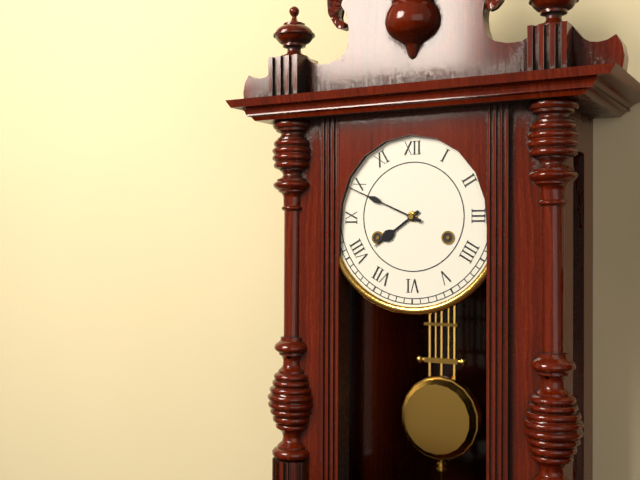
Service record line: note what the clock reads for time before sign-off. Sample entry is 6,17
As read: 7,49
